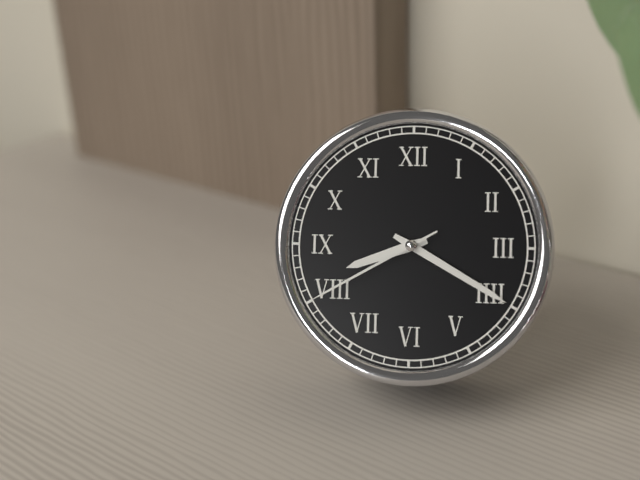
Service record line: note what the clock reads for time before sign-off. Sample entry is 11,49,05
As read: 8,20,40
